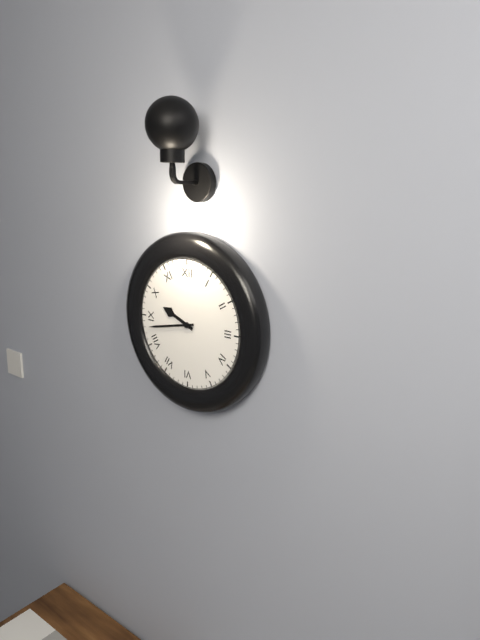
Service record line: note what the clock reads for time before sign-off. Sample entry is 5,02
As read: 9,43
